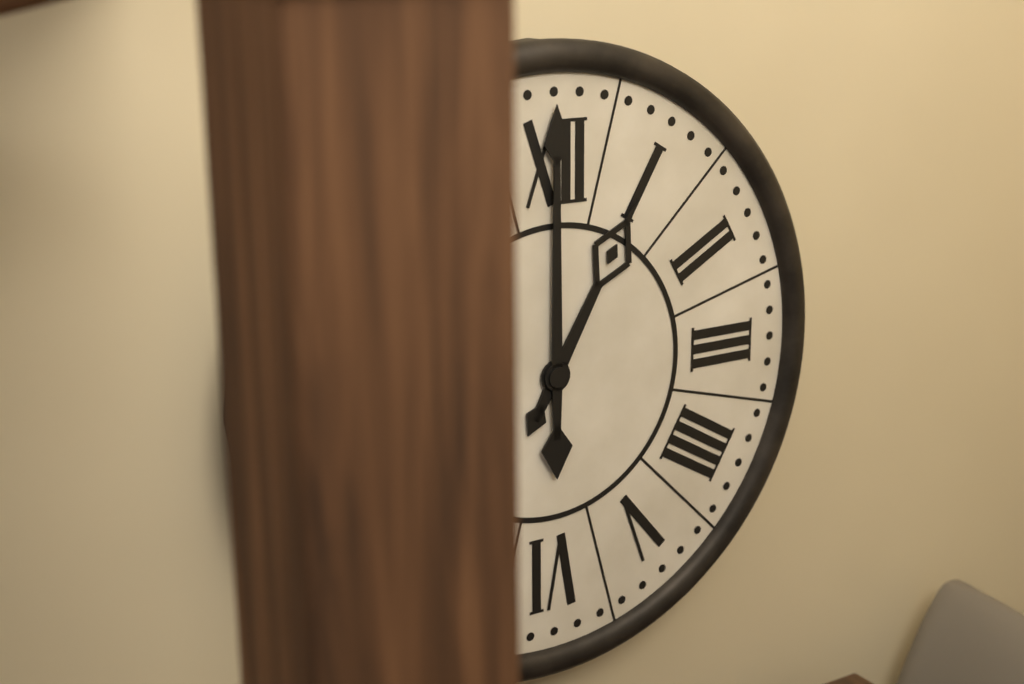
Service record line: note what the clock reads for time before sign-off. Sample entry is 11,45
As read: 1,00
